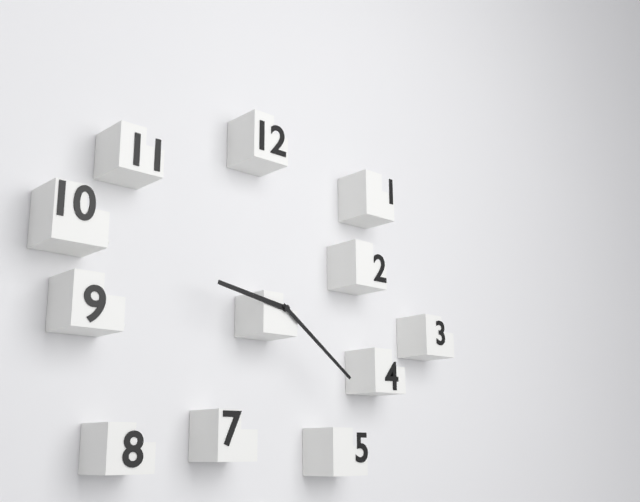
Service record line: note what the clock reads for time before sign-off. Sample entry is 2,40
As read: 9,21
